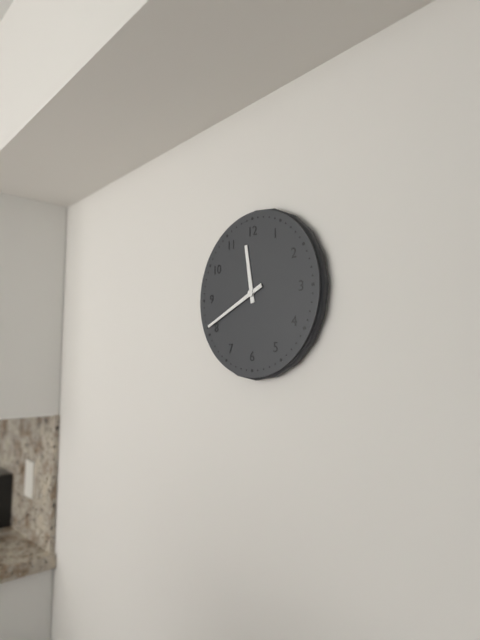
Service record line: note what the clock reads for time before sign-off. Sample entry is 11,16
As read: 11,41
